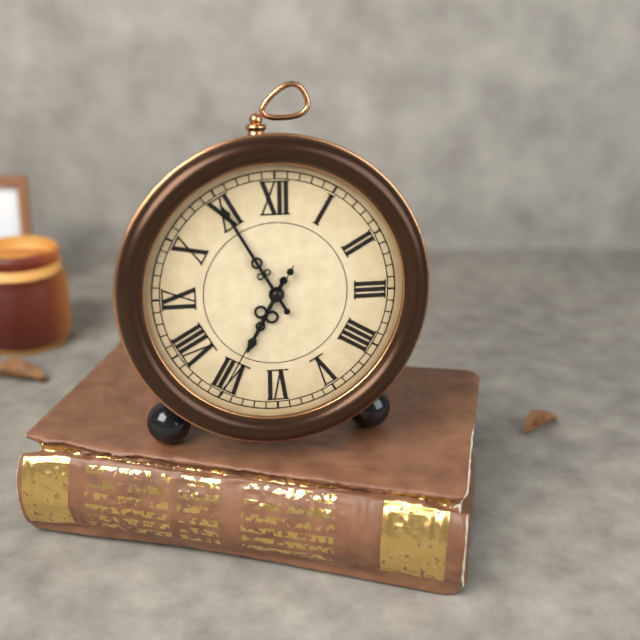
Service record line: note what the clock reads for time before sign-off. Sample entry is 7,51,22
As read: 6,55,35
